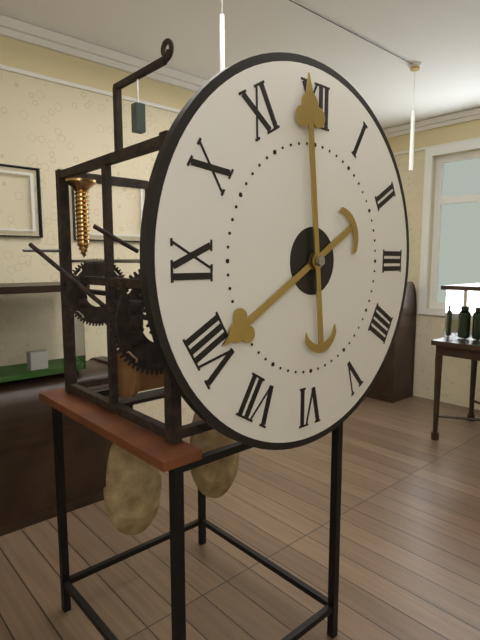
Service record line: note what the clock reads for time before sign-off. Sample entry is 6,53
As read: 7,59
